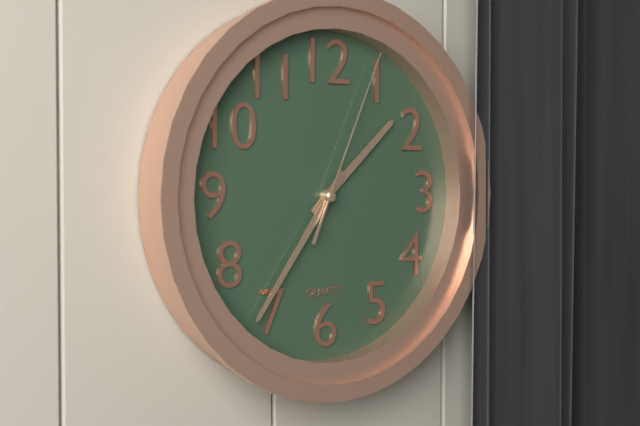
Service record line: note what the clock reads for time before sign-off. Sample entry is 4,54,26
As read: 1,36,04
